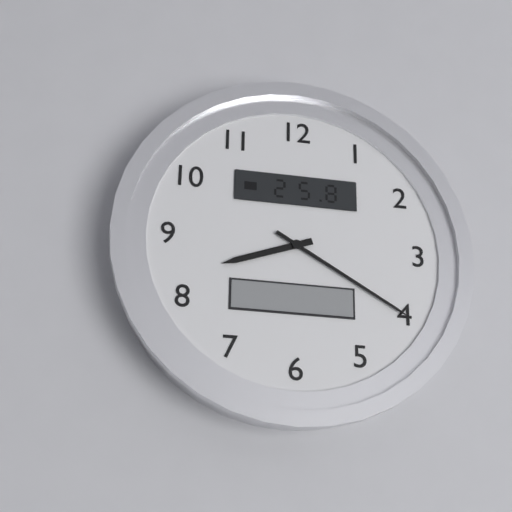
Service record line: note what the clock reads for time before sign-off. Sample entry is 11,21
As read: 8,20
